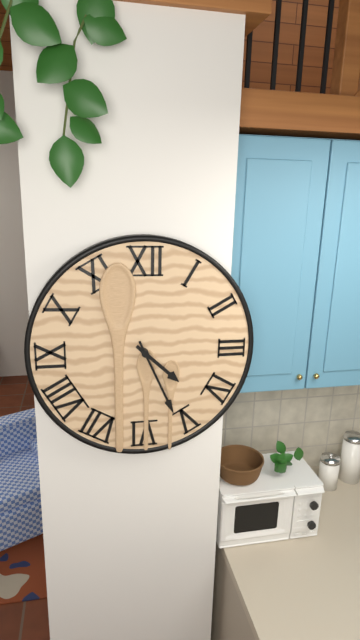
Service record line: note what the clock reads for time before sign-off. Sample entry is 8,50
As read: 4,26
